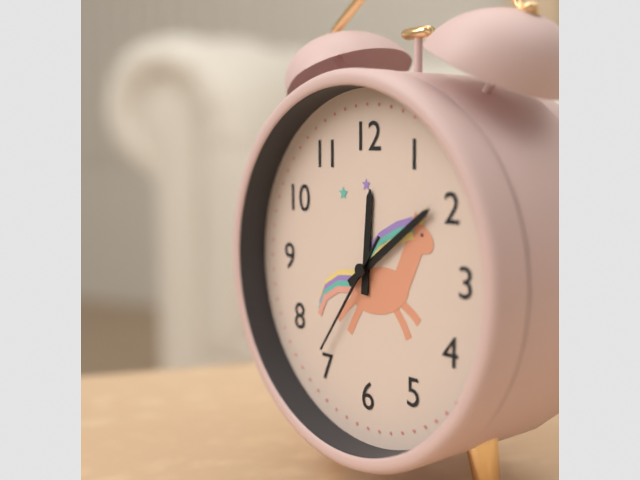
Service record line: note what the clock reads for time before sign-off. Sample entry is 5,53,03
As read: 12,09,36
